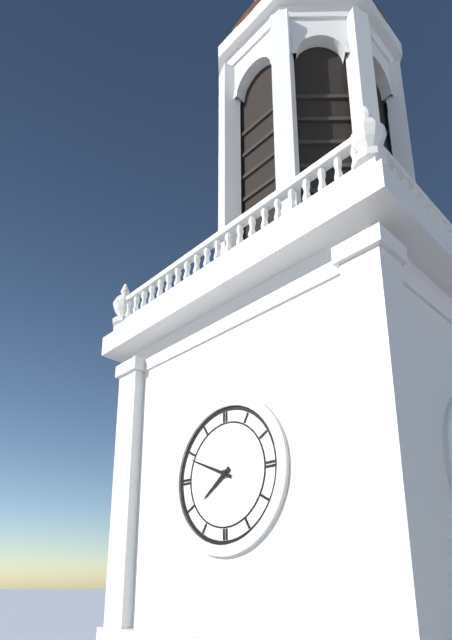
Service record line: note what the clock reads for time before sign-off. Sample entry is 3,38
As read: 7,49
